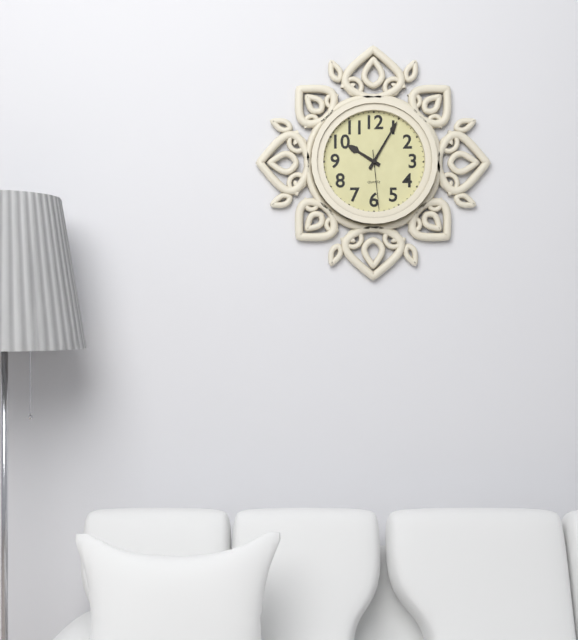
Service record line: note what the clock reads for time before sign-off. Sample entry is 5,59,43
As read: 10,05,29
